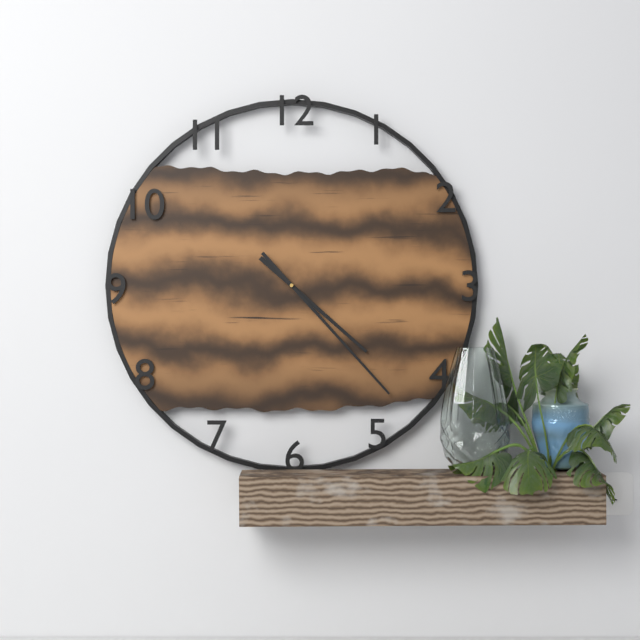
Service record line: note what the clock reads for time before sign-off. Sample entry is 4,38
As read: 4,23
